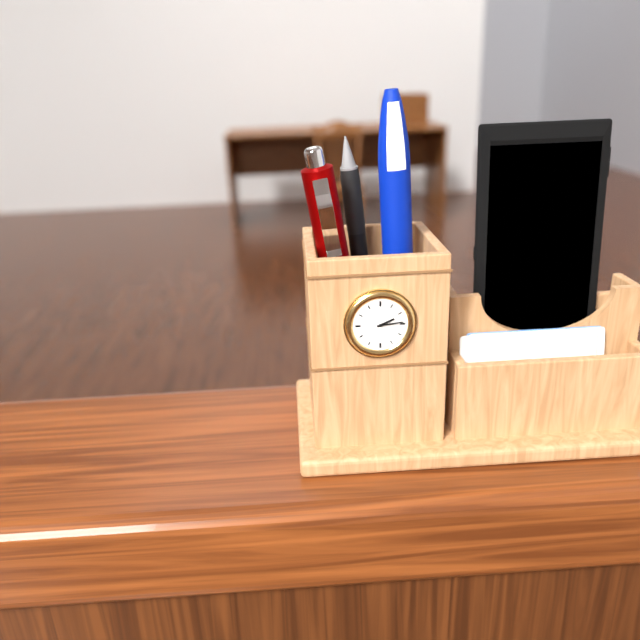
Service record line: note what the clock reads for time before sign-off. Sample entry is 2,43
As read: 2,14
